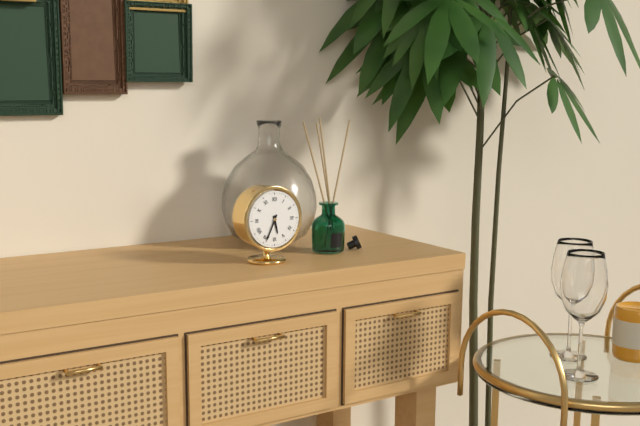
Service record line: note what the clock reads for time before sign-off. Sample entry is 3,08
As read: 5,34
